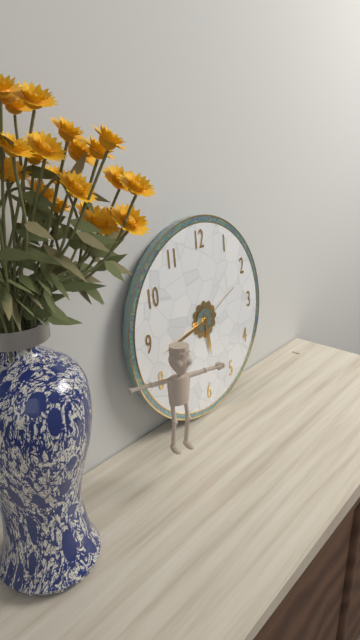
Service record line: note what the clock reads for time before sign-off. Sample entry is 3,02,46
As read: 5,43,11
